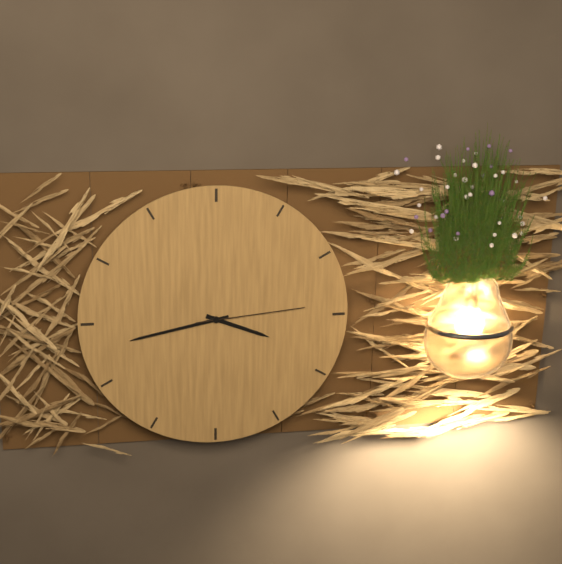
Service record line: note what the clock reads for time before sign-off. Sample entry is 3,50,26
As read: 3,43,14
